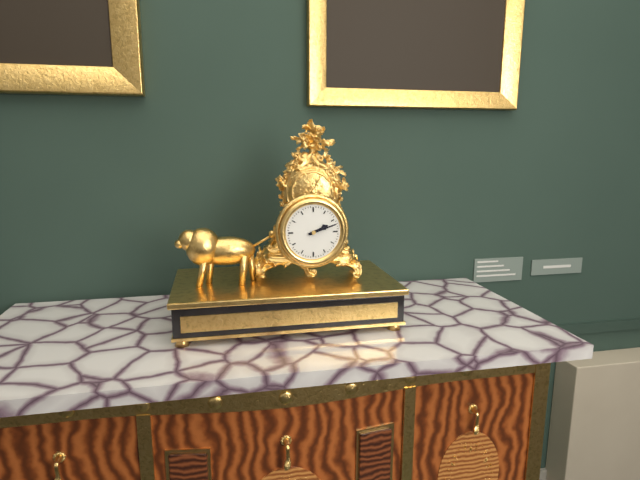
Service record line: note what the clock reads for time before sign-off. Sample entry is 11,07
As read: 2,12
